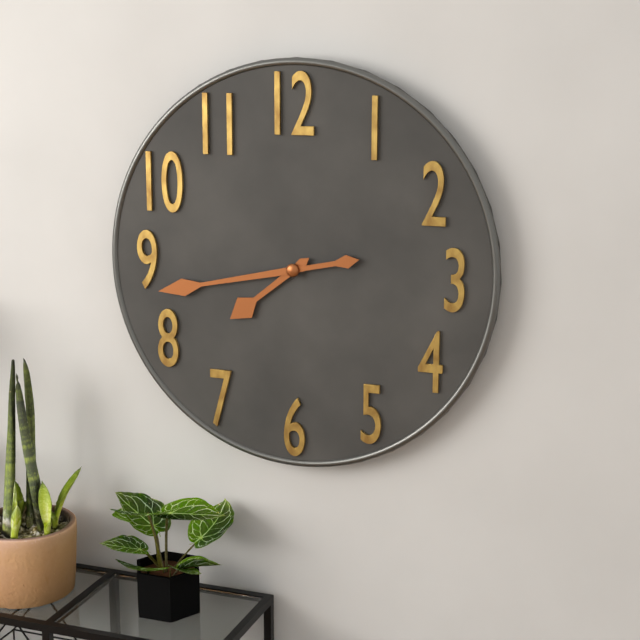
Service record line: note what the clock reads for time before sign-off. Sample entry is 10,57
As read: 7,43
